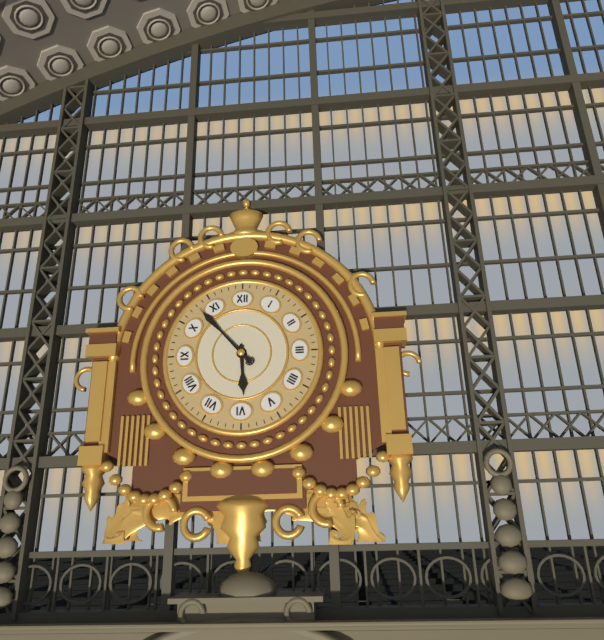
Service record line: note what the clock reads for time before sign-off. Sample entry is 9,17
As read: 5,53
